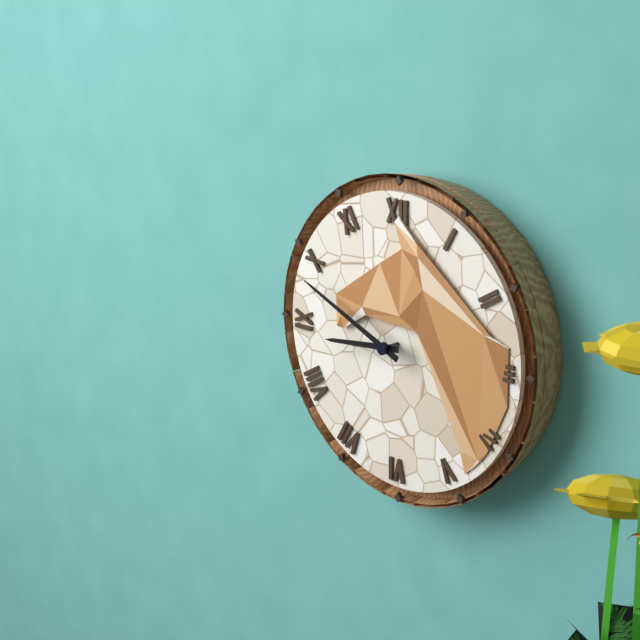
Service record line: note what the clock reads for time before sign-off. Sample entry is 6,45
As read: 8,49
